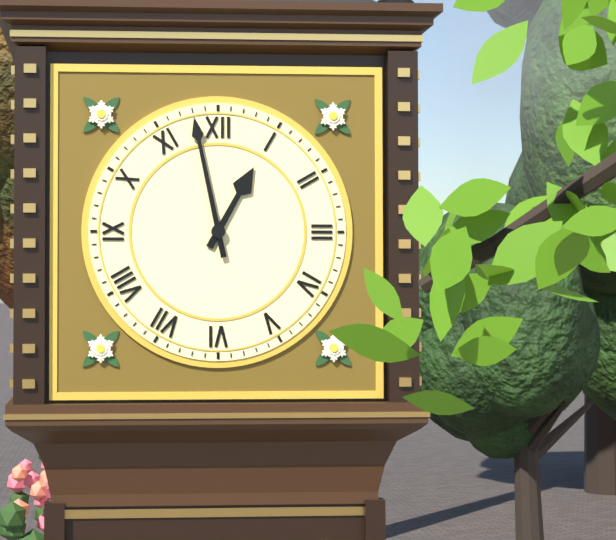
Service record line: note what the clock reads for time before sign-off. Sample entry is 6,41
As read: 12,58
